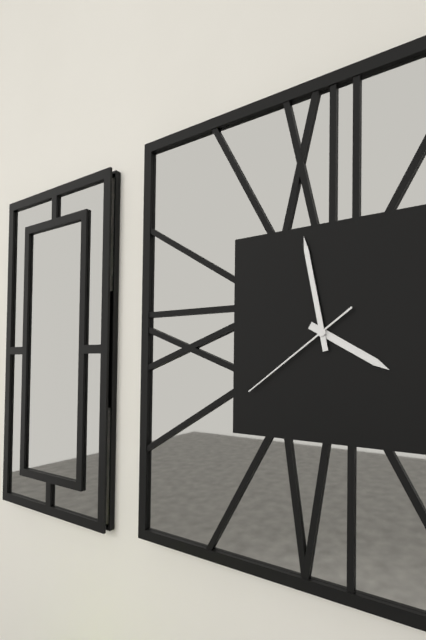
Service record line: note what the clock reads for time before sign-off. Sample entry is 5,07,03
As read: 3,58,39
